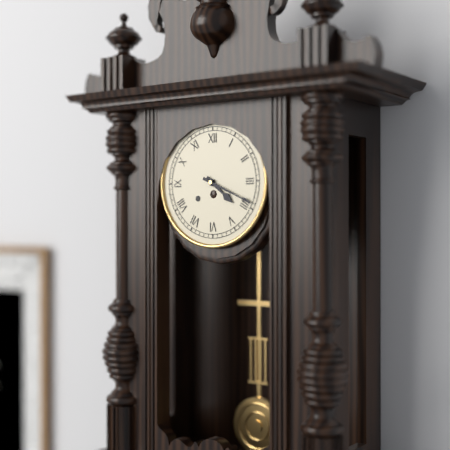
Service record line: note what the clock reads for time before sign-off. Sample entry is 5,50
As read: 4,19
